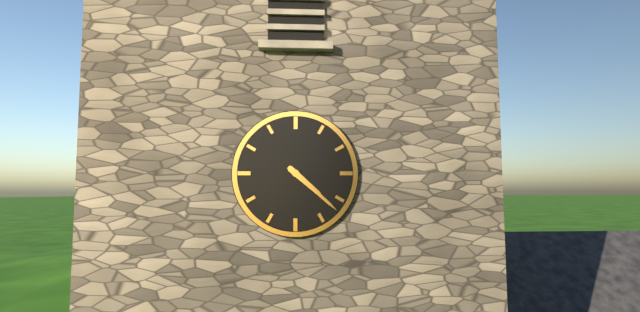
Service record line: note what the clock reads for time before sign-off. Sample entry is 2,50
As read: 4,22
